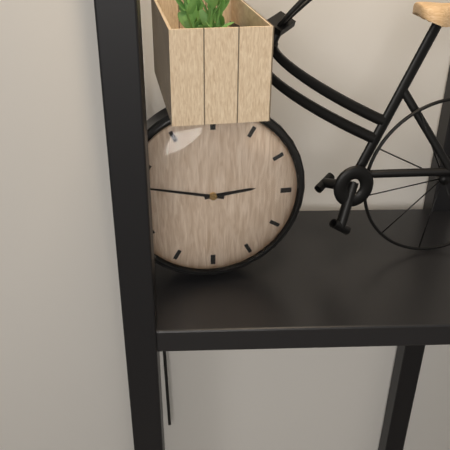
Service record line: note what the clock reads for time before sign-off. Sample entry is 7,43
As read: 2,47
